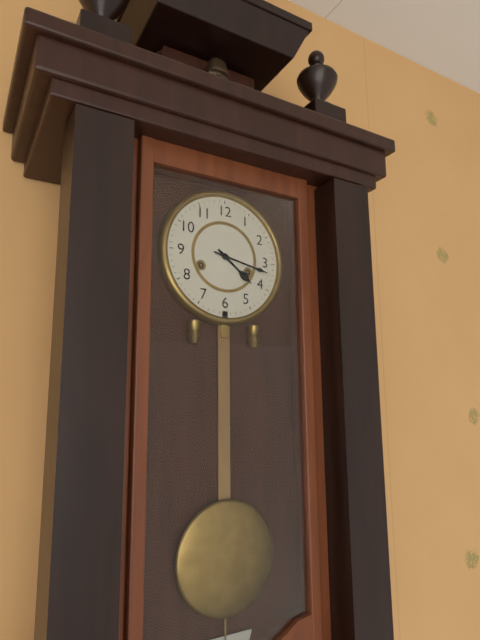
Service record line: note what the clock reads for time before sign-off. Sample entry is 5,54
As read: 4,17
